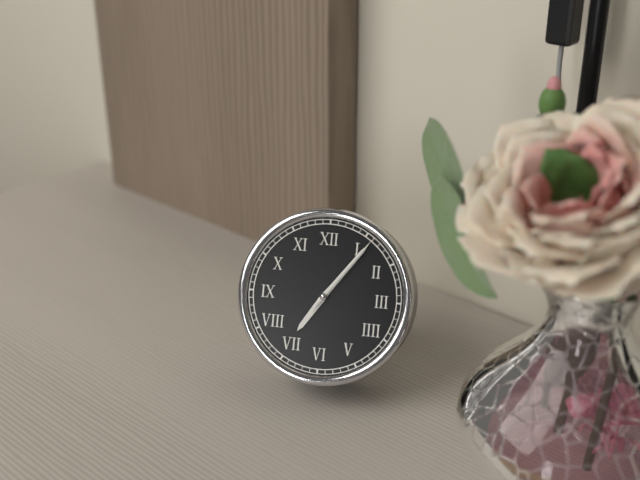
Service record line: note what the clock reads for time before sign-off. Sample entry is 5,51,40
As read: 7,06,06
